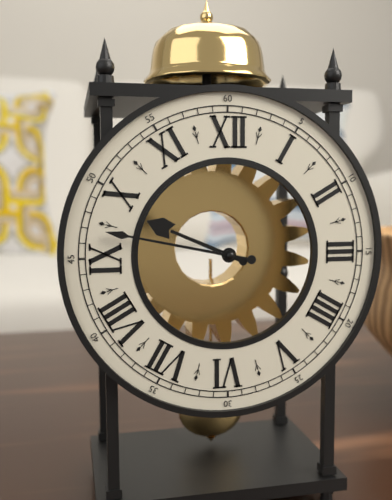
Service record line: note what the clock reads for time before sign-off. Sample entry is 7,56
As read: 9,47
